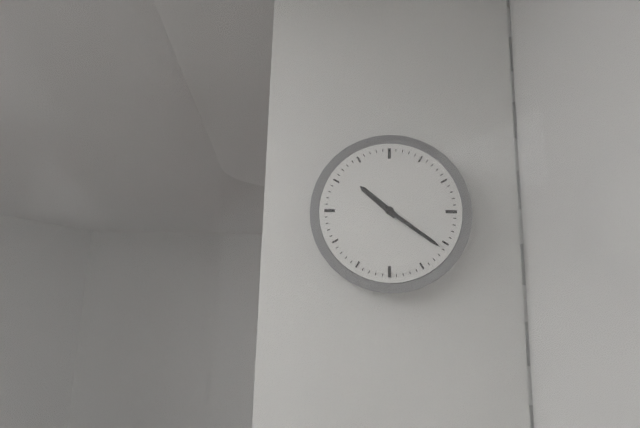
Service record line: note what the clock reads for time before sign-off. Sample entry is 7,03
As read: 10,21
